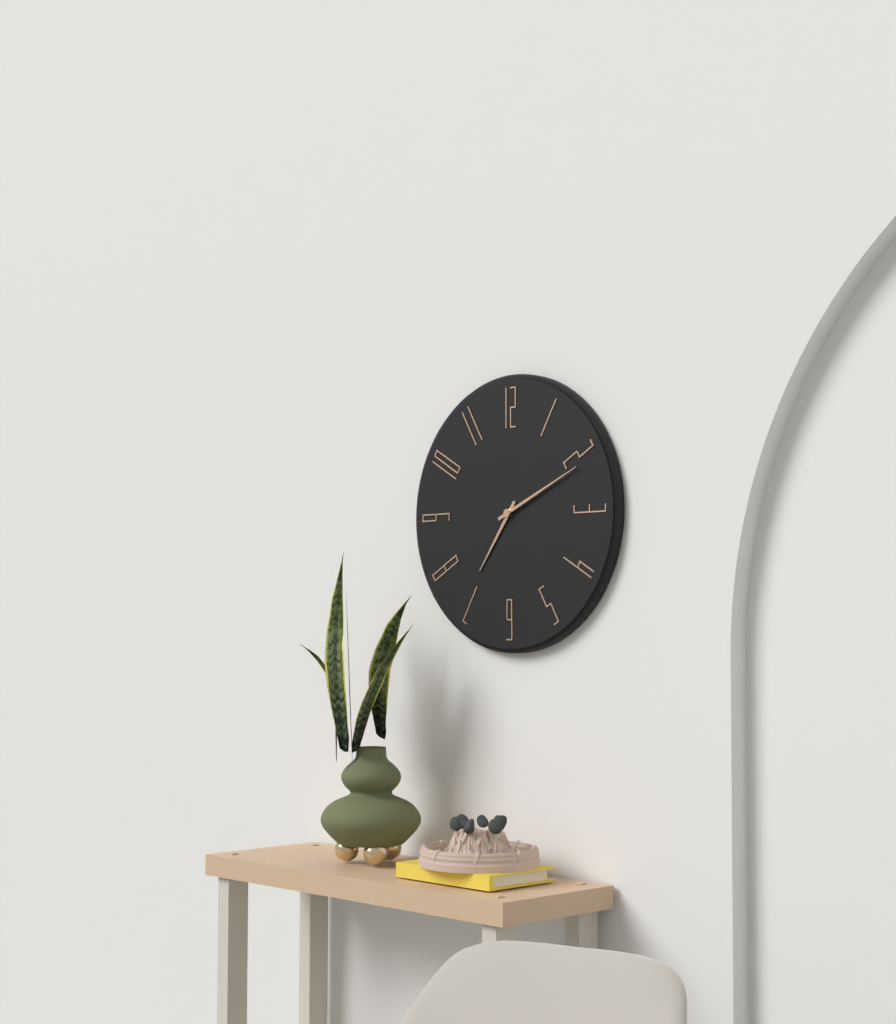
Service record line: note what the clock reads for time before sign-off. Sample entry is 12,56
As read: 7,11
